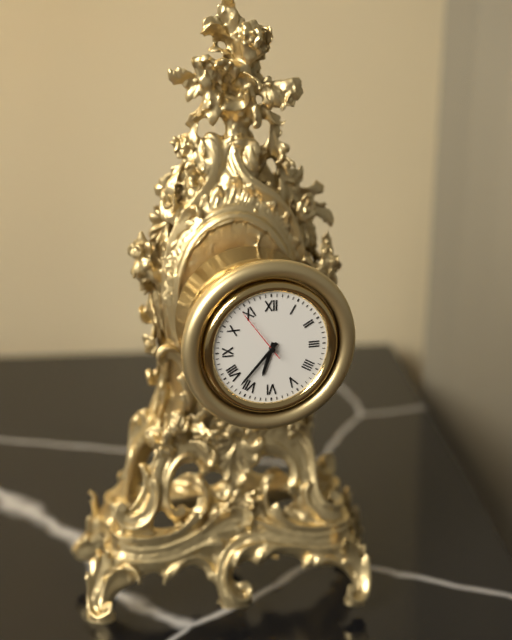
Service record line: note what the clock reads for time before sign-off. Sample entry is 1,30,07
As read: 6,37,54
